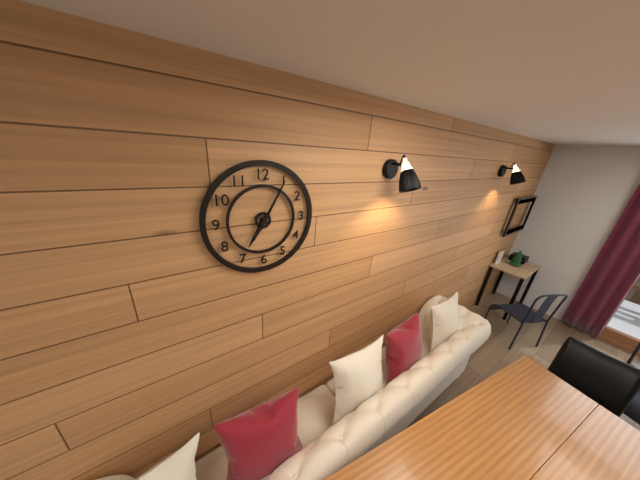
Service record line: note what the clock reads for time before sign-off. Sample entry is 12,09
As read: 7,05
